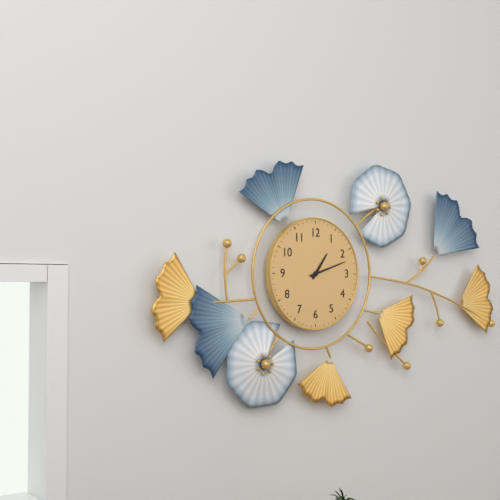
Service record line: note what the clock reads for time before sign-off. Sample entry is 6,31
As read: 1,12
